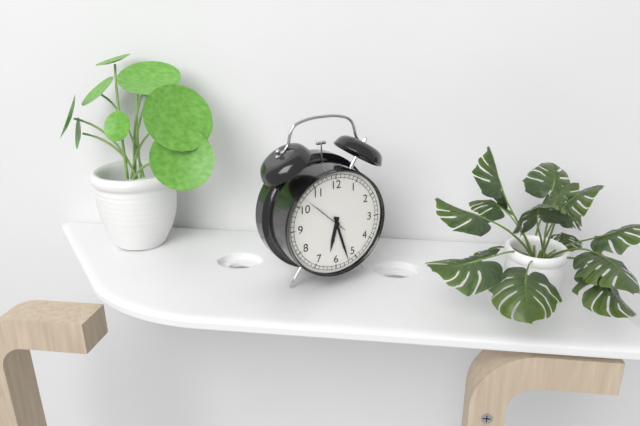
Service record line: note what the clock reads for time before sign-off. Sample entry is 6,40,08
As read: 6,27,52
